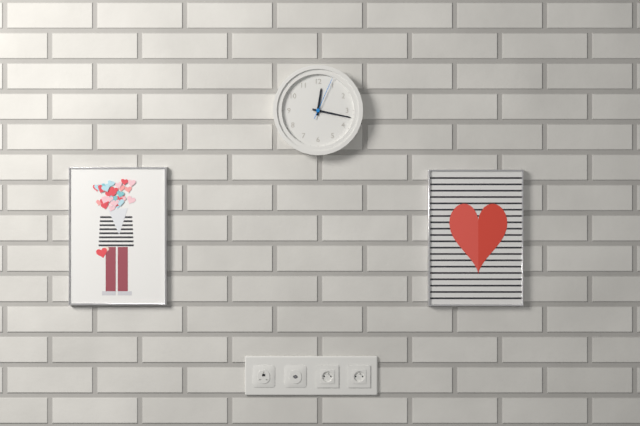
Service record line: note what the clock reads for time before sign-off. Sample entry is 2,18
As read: 12,17
